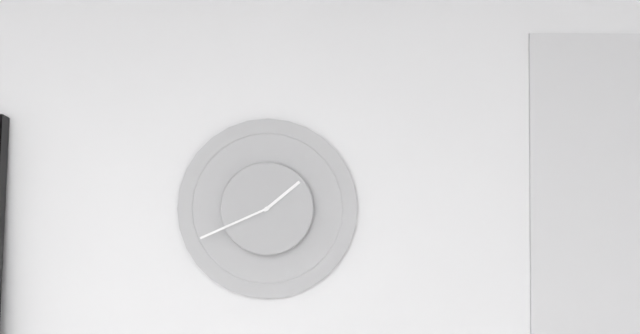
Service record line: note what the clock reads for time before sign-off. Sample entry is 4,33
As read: 1,41
